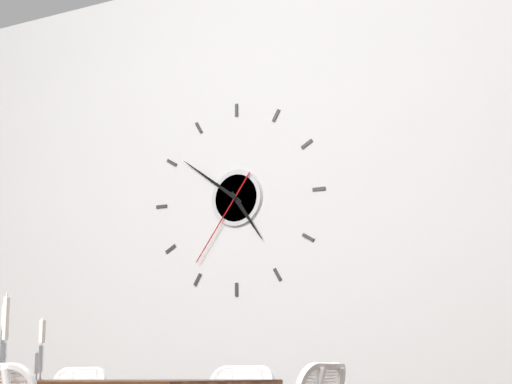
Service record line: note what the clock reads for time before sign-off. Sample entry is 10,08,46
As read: 4,51,36
